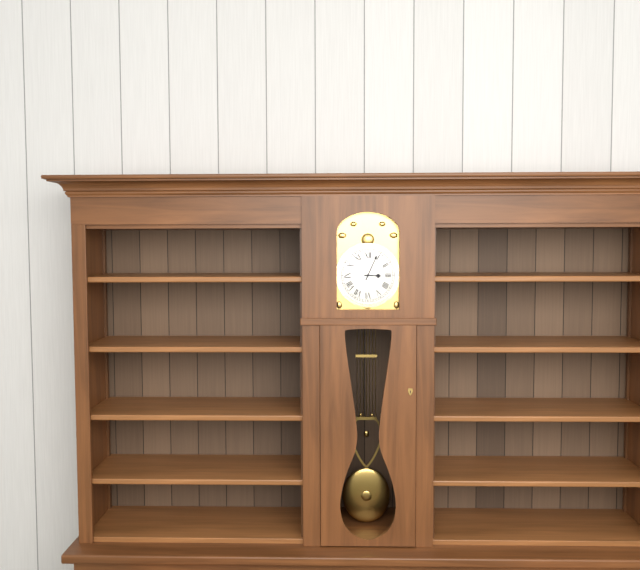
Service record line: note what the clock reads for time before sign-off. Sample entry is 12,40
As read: 3,04
